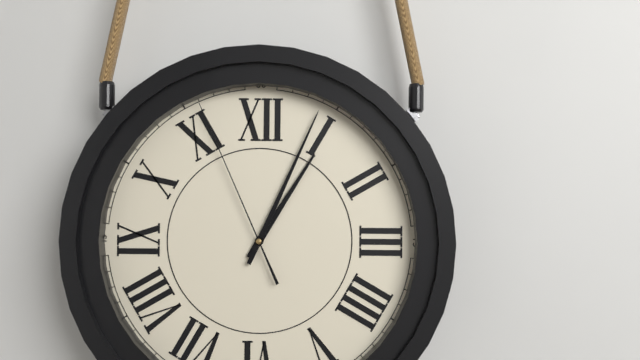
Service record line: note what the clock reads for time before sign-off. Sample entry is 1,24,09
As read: 1,04,56
